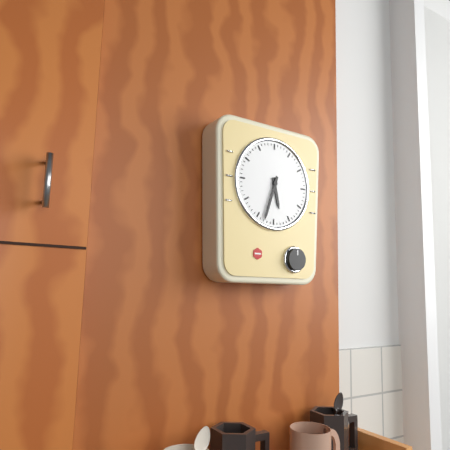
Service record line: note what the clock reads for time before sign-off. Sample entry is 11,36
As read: 5,33
